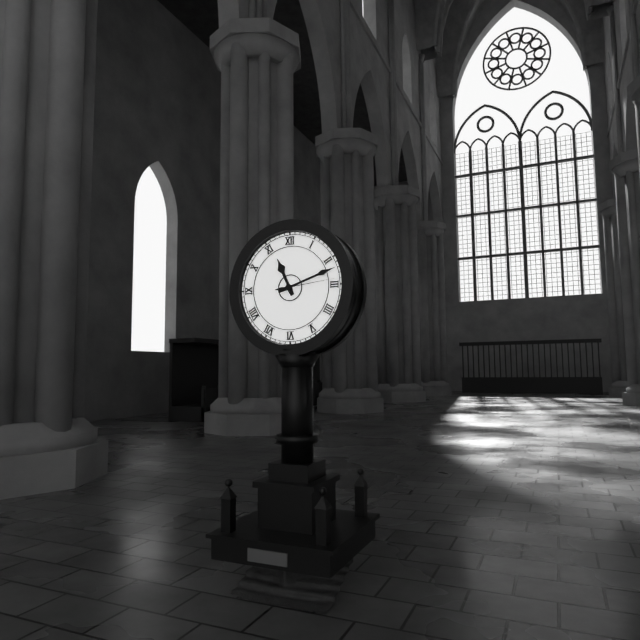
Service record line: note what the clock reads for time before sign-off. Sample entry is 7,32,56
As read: 11,12,14
